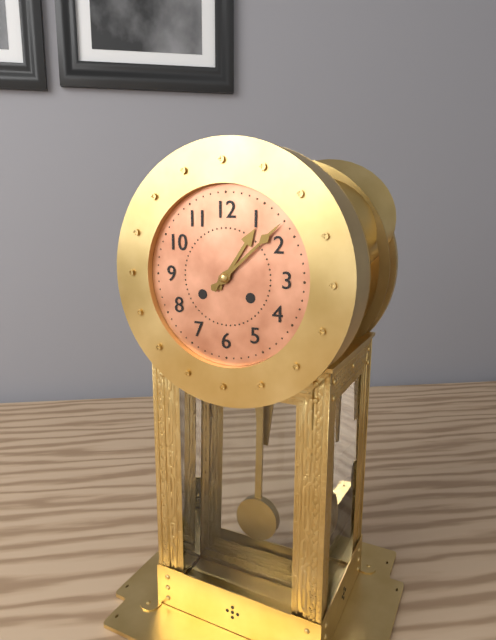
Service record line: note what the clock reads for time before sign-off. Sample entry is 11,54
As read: 1,08
